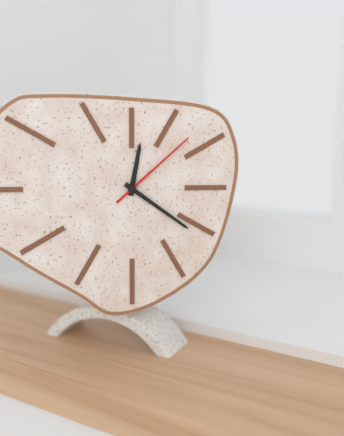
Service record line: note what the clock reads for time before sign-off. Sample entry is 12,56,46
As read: 12,21,08
